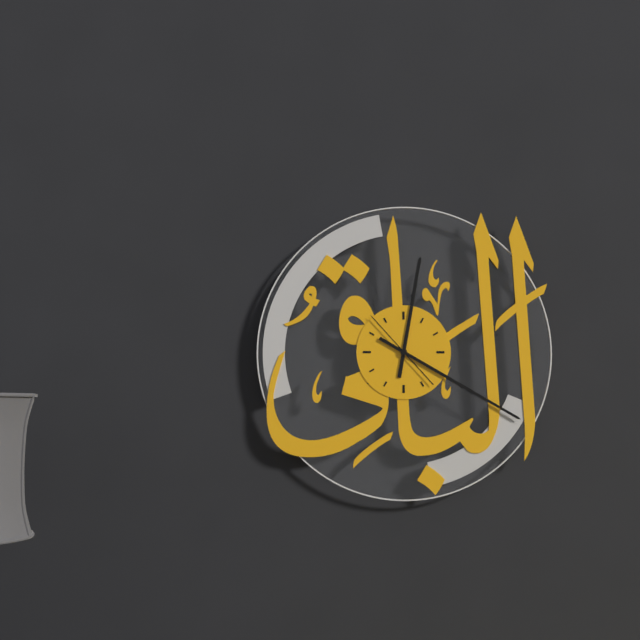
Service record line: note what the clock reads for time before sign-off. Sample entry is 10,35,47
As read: 12,20,53
